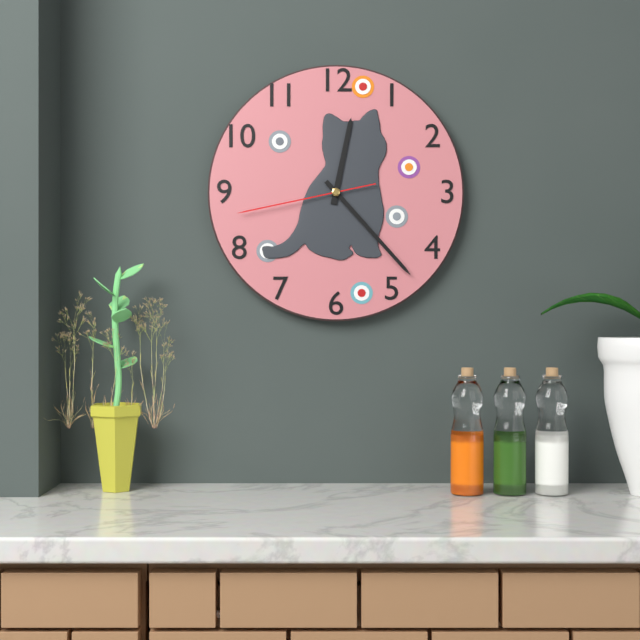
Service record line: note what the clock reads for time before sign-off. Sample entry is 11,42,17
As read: 12,23,43
